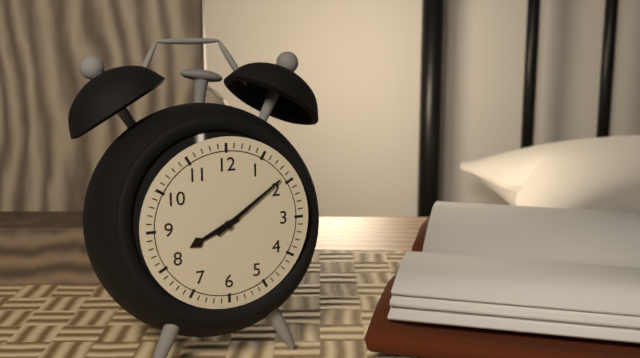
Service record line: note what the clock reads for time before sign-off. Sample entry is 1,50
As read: 8,09
